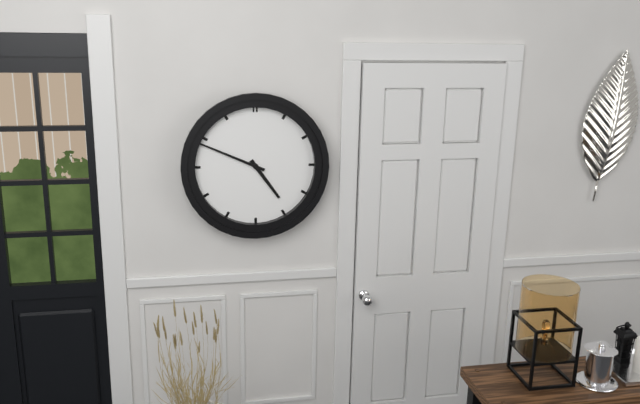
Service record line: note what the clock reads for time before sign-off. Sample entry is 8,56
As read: 4,49
